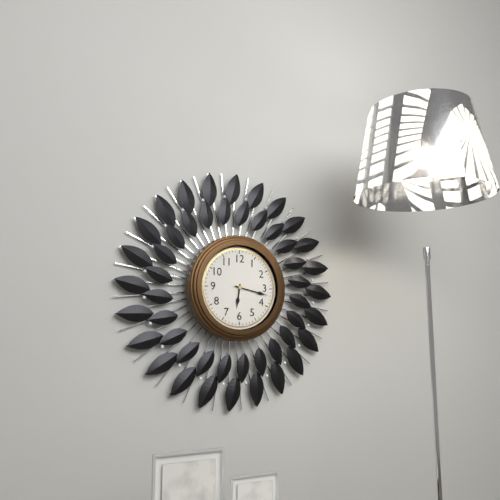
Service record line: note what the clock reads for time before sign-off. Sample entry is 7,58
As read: 6,17
